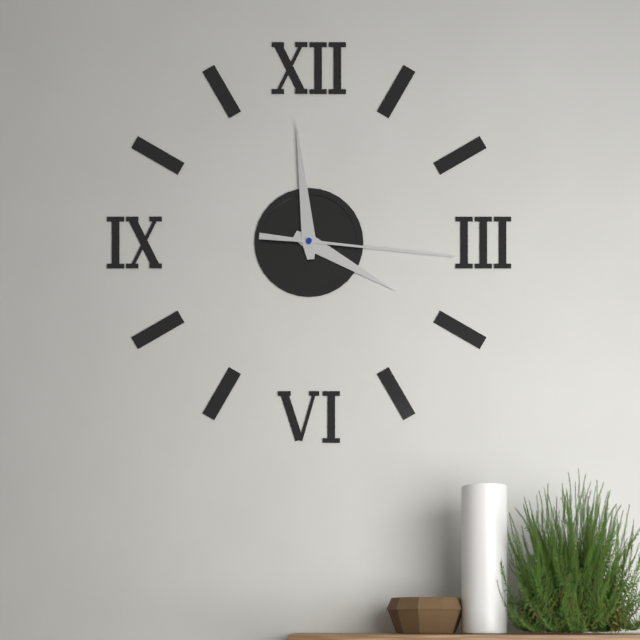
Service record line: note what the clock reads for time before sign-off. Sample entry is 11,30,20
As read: 3,59,16
